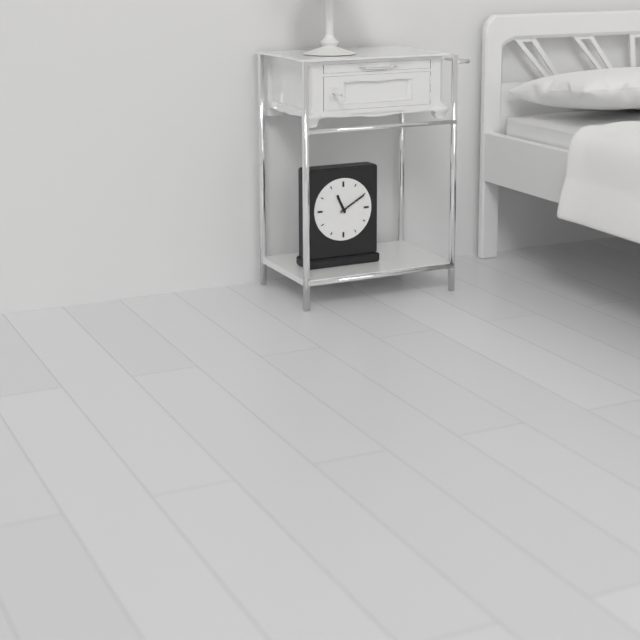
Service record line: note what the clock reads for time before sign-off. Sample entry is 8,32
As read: 11,10
